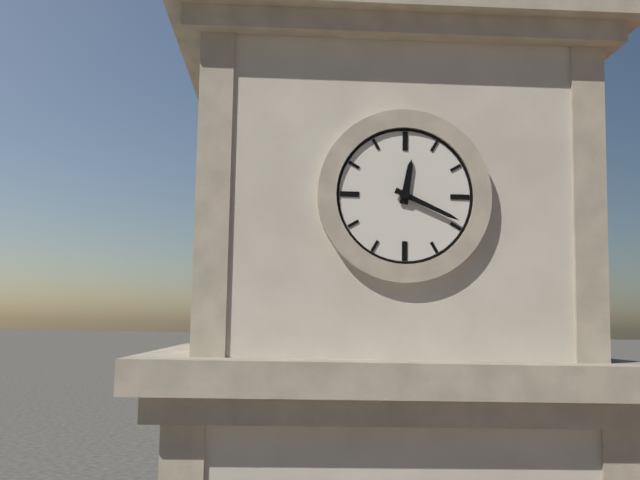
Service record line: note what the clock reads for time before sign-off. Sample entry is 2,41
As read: 12,19
